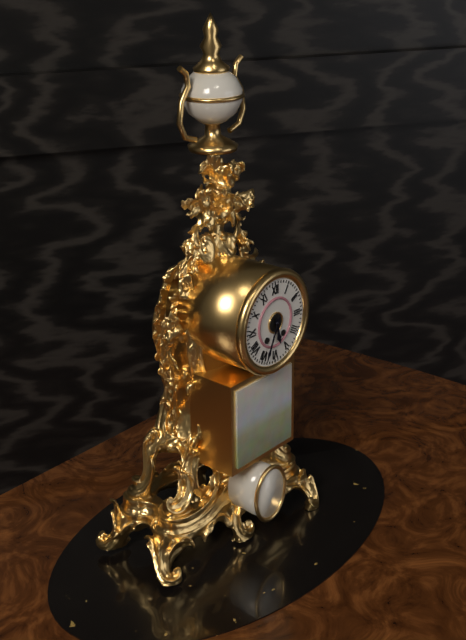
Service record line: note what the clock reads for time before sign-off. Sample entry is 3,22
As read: 5,34
